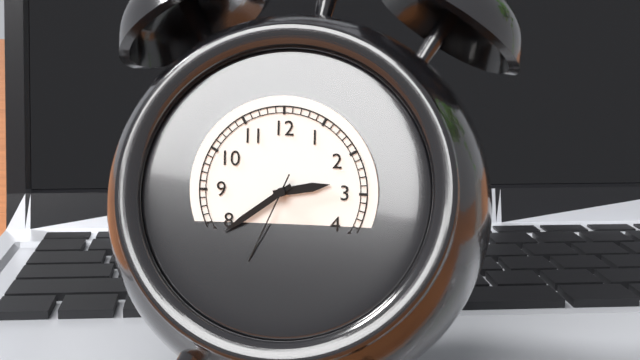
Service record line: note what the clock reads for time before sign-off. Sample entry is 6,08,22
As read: 2,39,34
